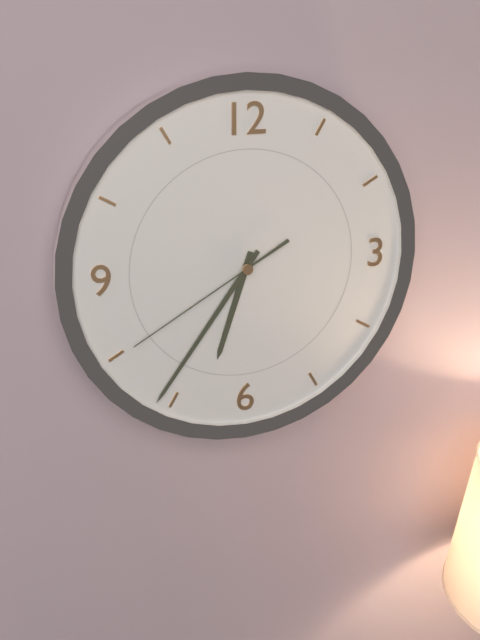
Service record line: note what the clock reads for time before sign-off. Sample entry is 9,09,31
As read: 6,36,40
